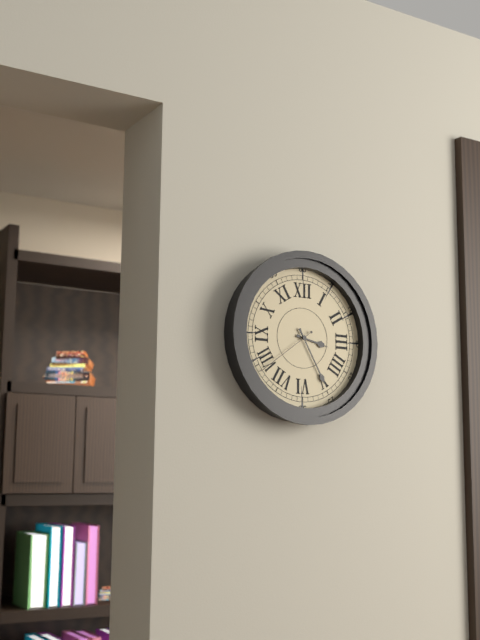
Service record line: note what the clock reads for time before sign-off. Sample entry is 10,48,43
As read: 3,25,39
